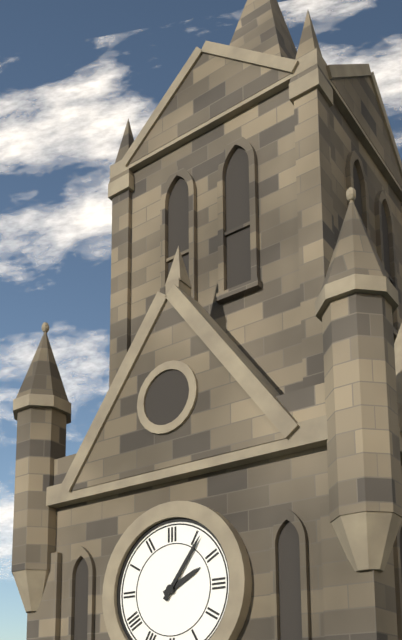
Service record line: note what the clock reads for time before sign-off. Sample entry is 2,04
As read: 2,06
